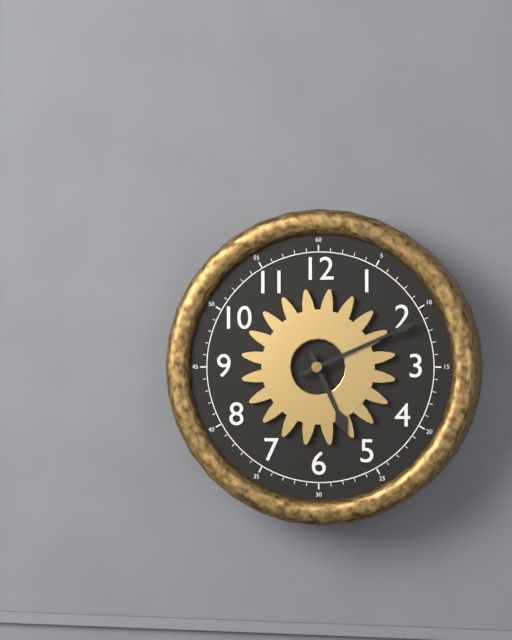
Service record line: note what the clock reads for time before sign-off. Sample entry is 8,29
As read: 5,11
